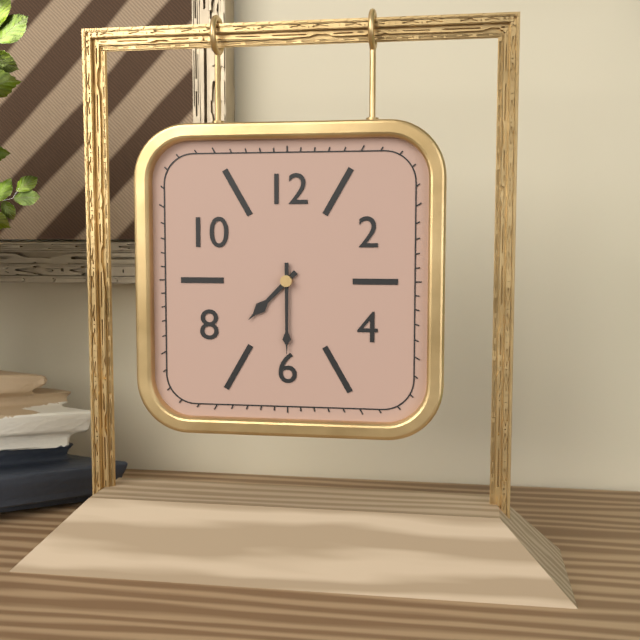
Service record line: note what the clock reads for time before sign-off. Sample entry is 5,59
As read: 7,30
